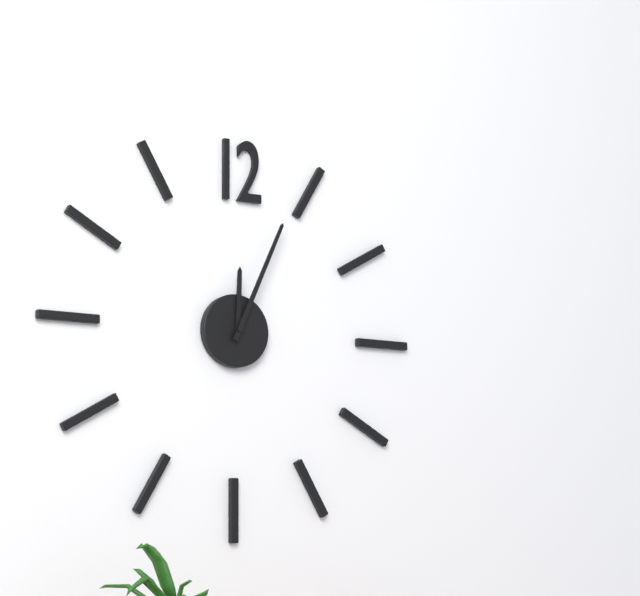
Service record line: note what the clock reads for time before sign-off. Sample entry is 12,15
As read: 12,04
